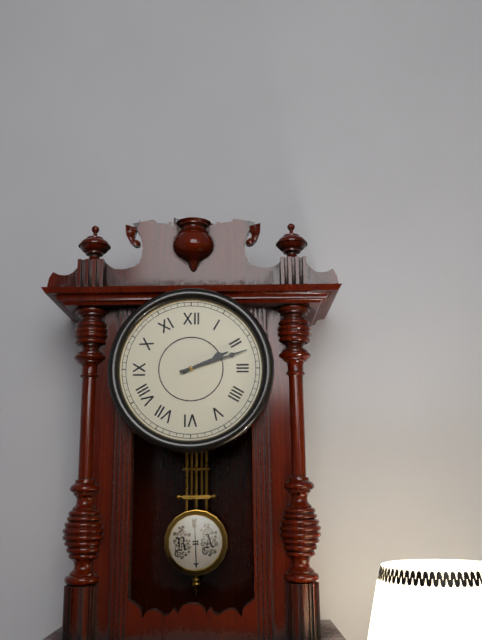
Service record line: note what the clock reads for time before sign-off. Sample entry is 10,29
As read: 2,12
